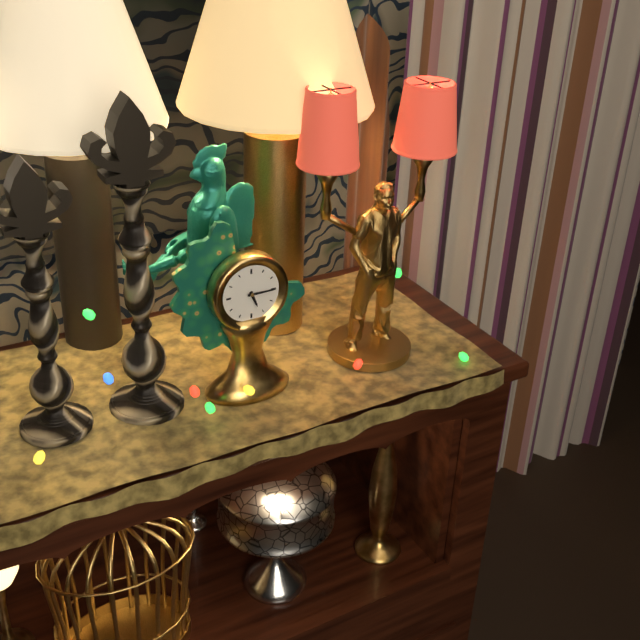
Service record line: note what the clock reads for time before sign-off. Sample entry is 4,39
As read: 5,15
